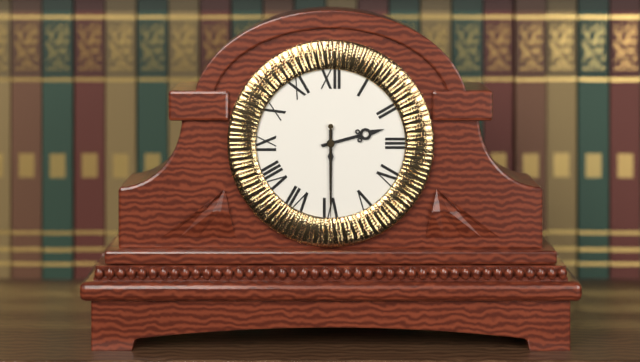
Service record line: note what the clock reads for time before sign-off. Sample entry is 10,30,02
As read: 2,30,30
